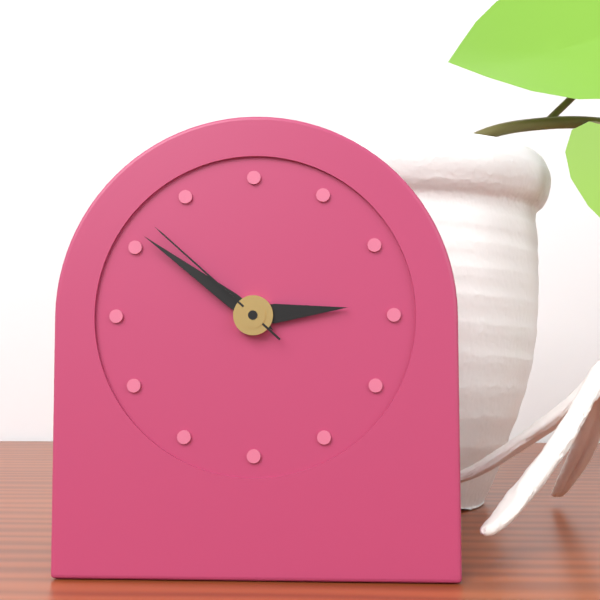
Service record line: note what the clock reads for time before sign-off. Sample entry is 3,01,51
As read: 2,51,52
